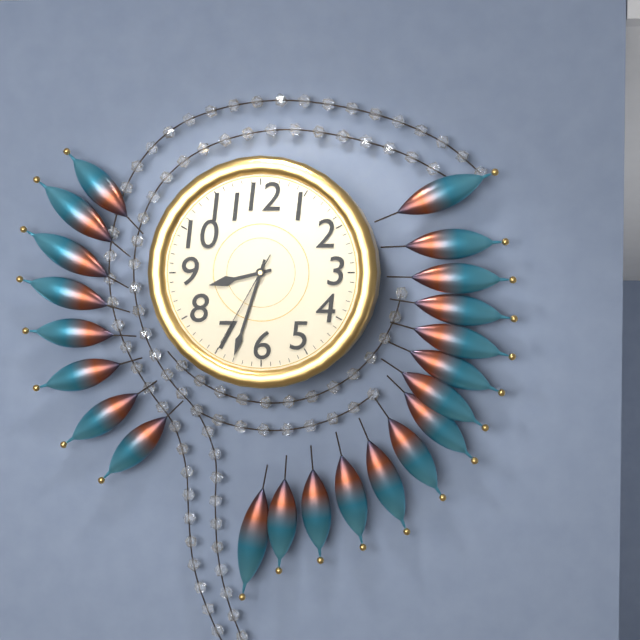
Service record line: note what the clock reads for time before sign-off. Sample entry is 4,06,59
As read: 8,33,35
